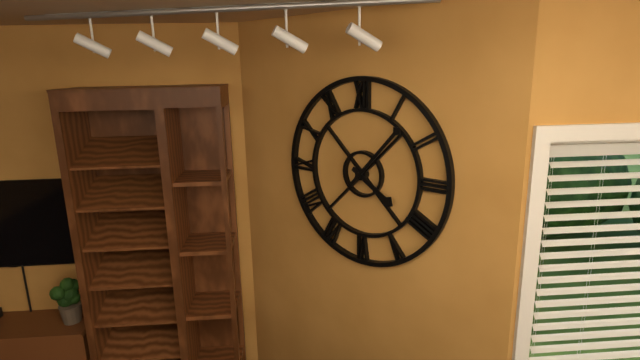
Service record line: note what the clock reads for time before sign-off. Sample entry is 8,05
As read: 4,07
